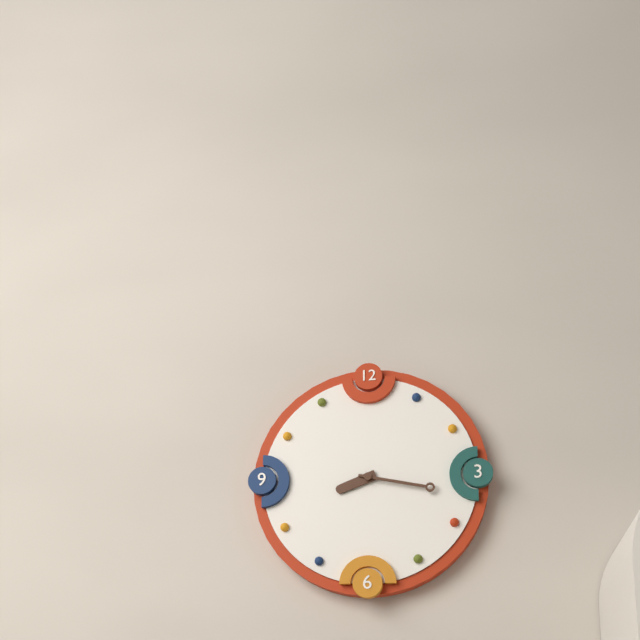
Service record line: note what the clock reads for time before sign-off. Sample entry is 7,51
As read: 8,17
